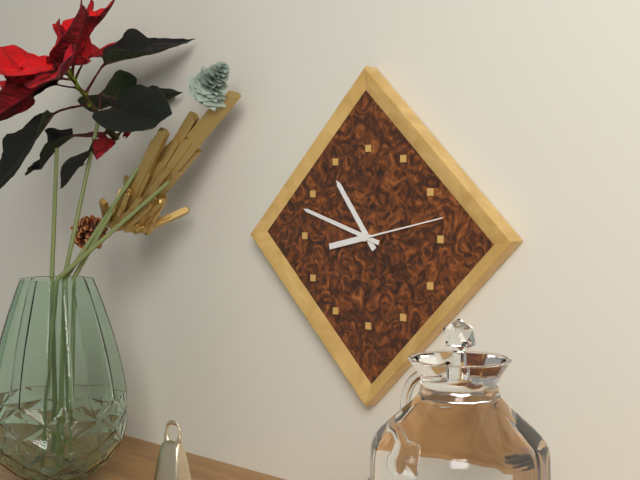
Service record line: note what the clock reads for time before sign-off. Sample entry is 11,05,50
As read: 10,48,13
